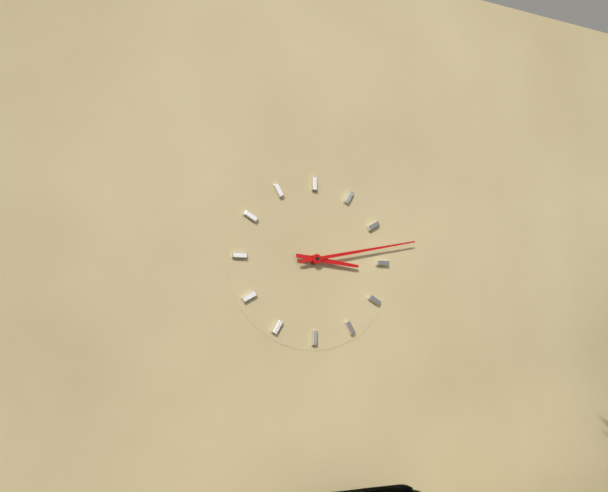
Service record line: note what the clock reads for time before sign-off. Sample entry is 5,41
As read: 3,13
